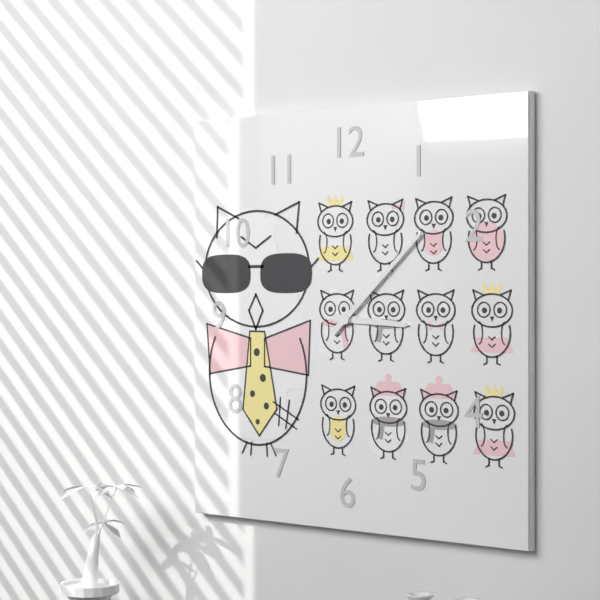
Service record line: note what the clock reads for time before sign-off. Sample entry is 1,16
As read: 3,08
